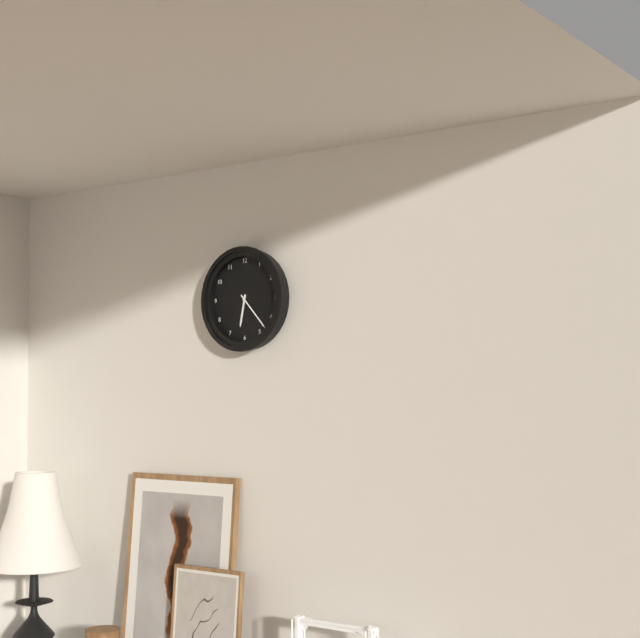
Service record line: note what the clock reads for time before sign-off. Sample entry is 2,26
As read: 6,23
